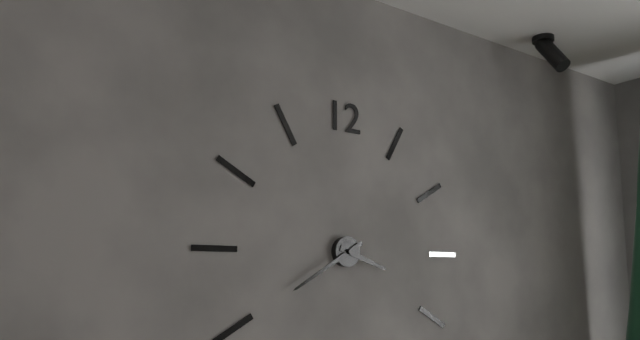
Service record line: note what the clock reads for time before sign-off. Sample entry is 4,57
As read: 3,40
